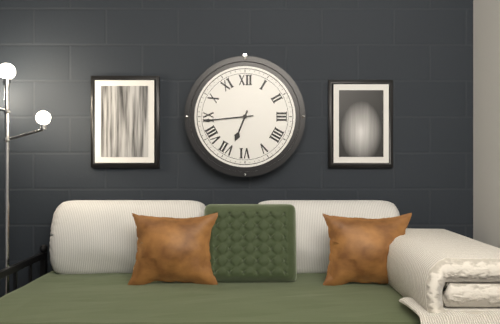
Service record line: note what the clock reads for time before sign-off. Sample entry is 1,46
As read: 6,44
